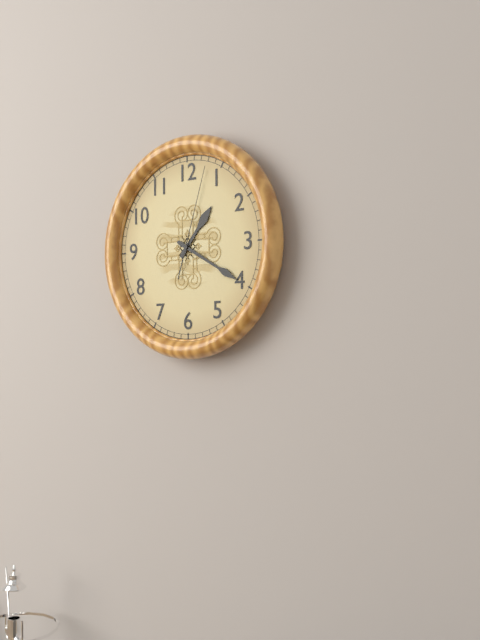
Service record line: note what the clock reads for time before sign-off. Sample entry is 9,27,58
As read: 1,20,03
